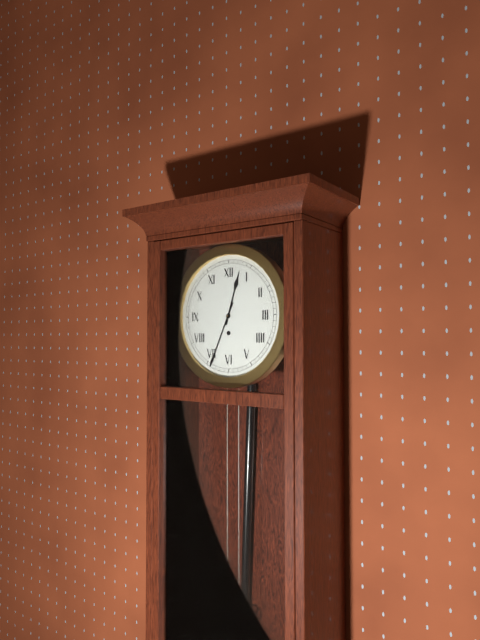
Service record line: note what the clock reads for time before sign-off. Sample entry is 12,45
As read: 12,34
